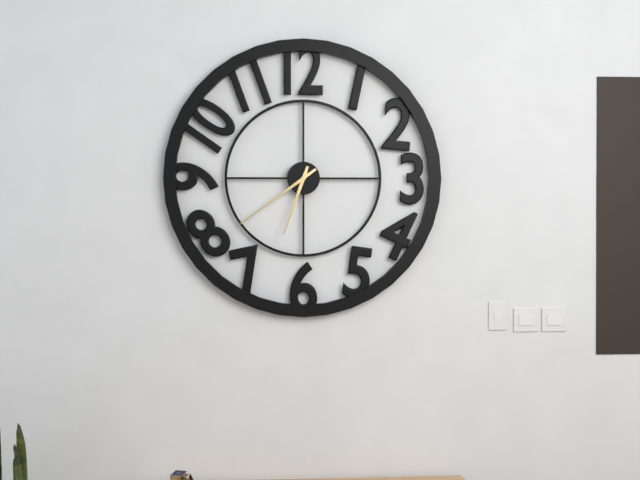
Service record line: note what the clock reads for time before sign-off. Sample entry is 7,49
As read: 6,39
